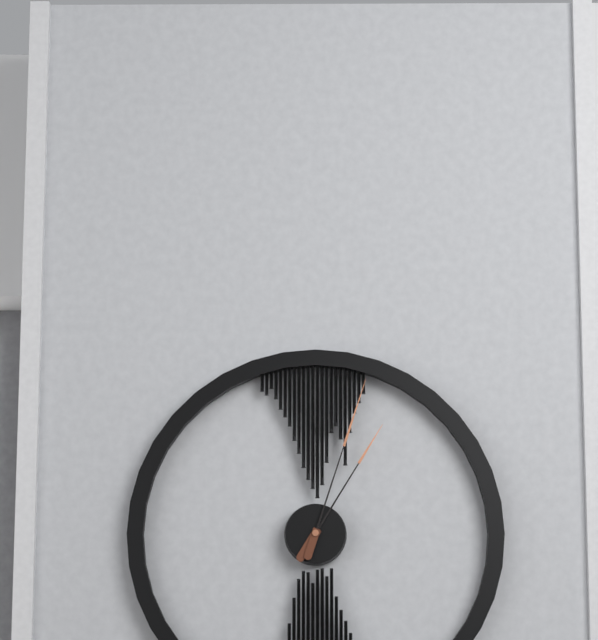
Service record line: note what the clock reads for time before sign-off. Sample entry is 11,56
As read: 1,03
